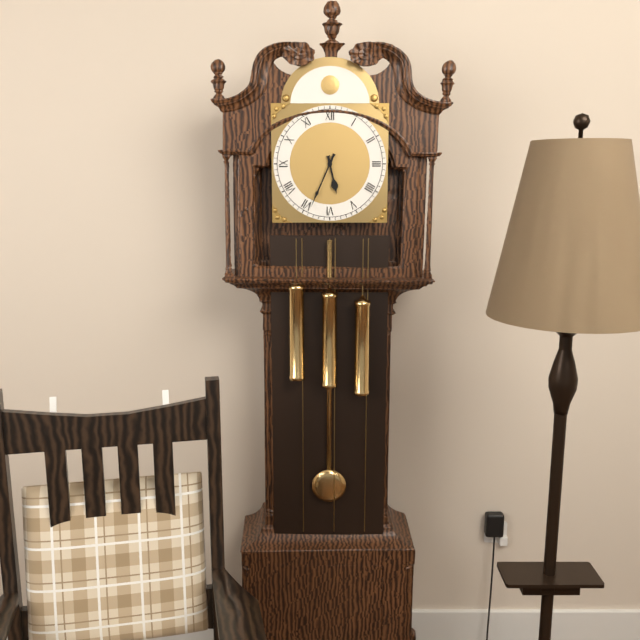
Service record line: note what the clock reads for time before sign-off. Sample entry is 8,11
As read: 5,34
